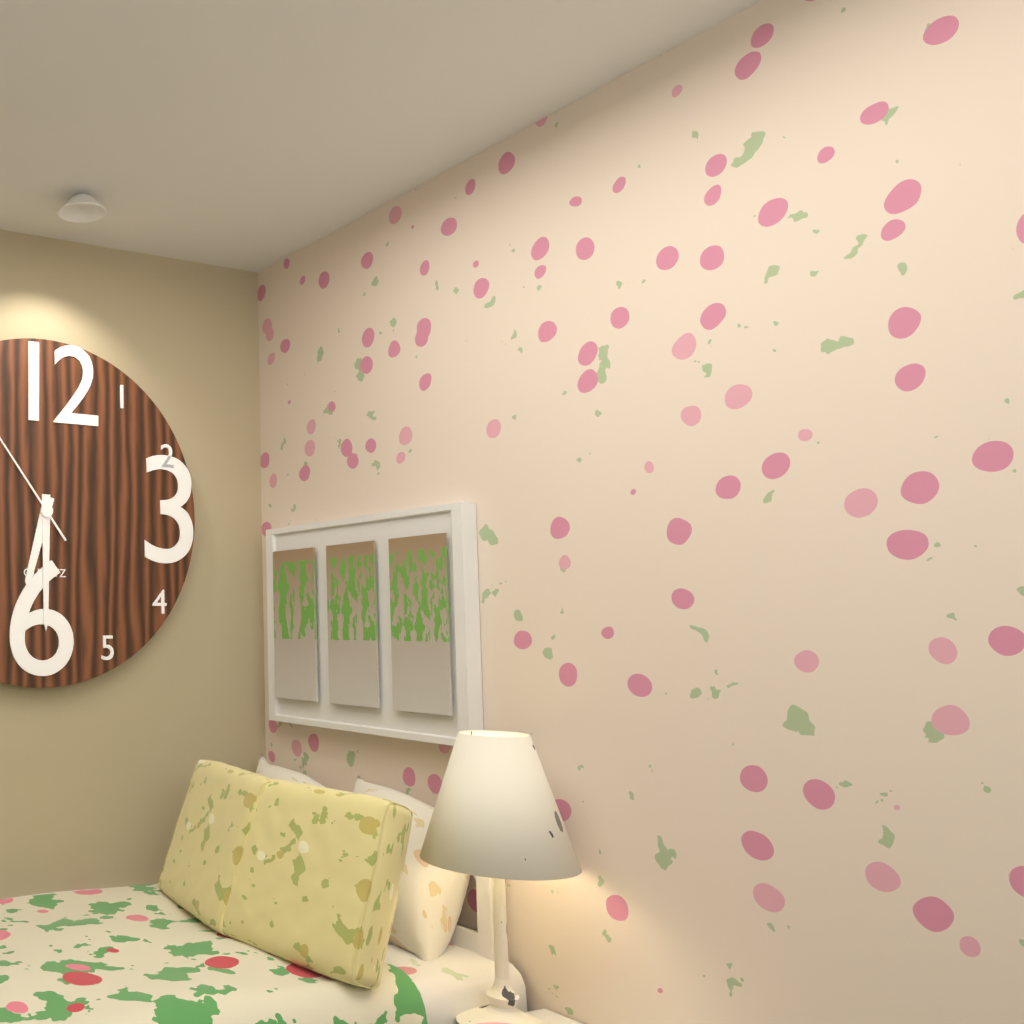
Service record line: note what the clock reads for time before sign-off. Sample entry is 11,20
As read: 6,30
